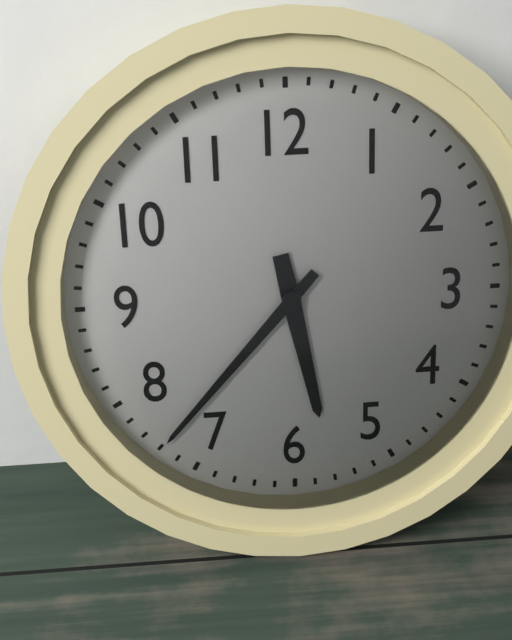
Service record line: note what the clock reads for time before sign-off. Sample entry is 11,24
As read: 5,37
